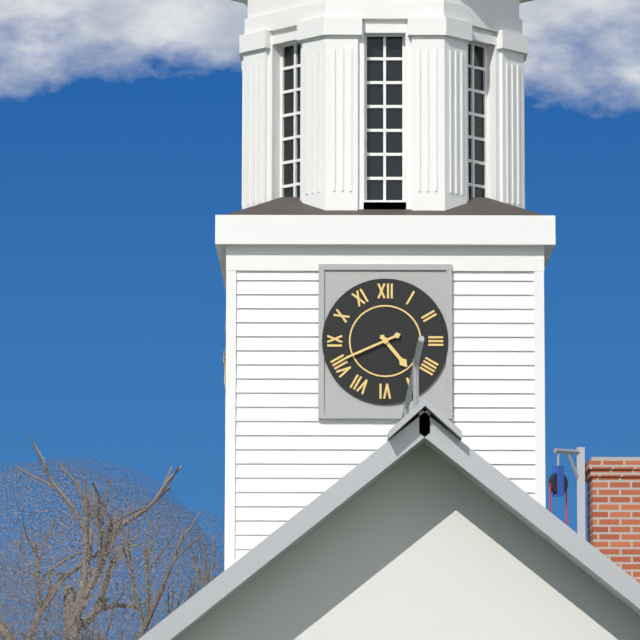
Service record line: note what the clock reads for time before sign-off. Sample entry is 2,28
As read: 4,41
